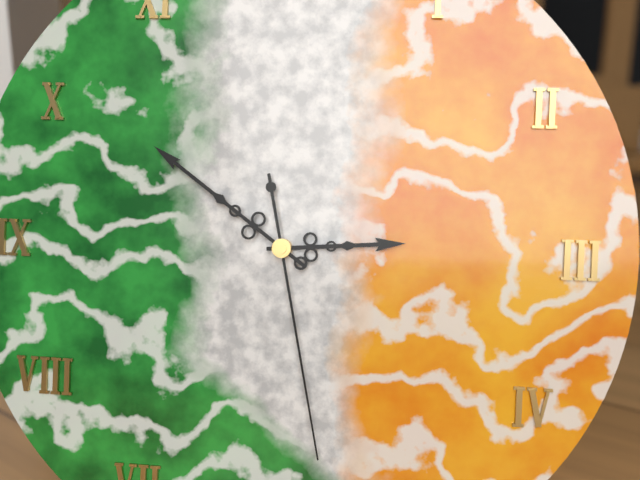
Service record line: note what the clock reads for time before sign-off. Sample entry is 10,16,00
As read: 2,51,28
